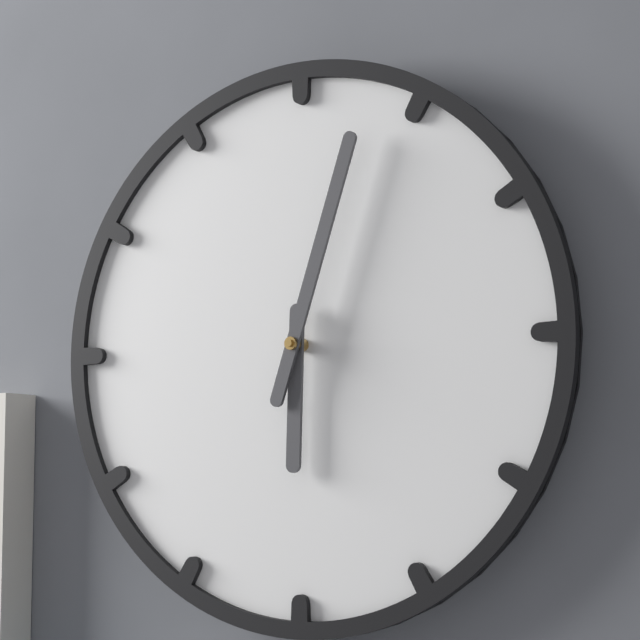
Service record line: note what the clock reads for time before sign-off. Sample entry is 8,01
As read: 6,03
